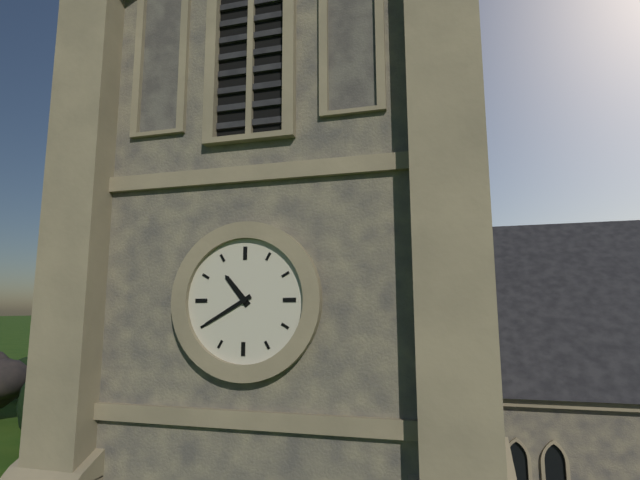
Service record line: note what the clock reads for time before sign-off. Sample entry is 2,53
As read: 10,40
